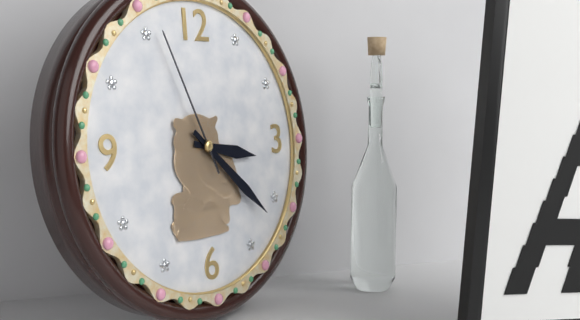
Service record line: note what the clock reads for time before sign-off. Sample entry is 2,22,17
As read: 3,22,56
